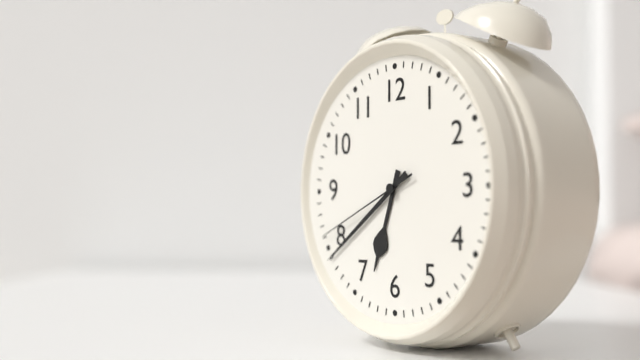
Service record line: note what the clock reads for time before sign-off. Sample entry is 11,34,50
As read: 6,39,41
